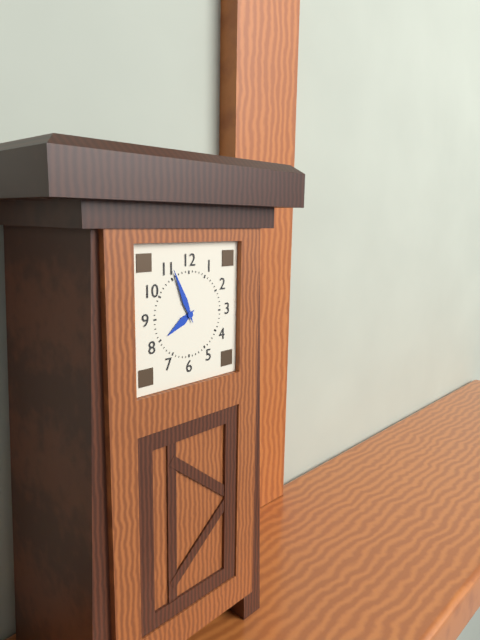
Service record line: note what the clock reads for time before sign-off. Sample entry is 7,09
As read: 7,56
